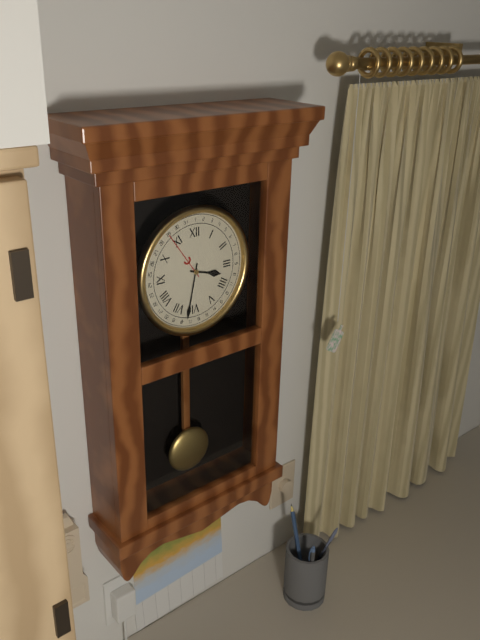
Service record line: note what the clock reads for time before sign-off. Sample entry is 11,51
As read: 3,32
